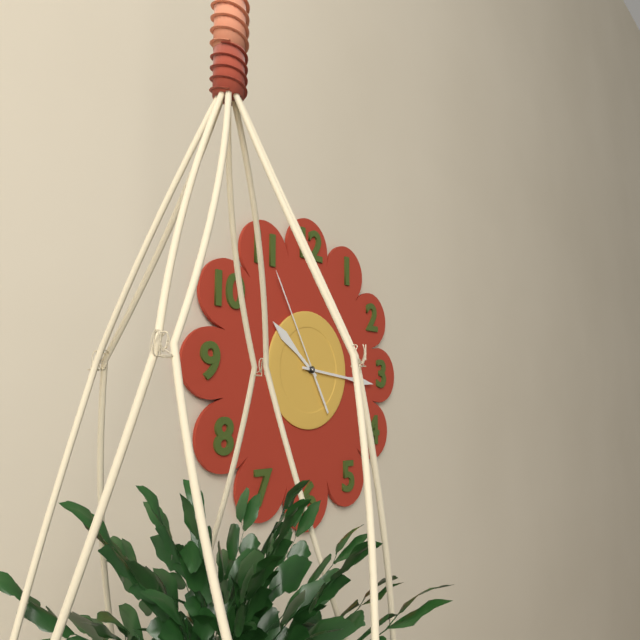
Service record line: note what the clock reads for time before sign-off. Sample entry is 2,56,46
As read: 10,16,55
